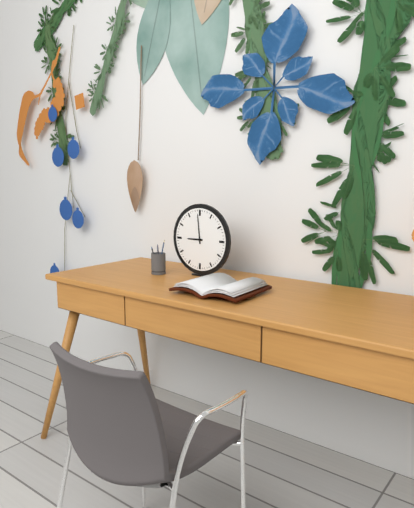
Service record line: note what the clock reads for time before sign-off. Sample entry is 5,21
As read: 8,59
